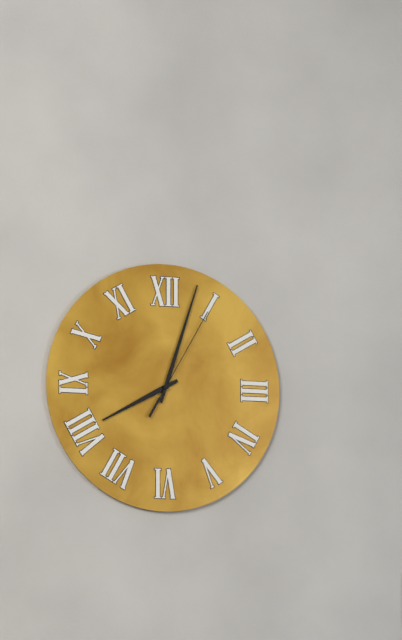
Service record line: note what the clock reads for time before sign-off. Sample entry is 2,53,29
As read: 8,03,05
